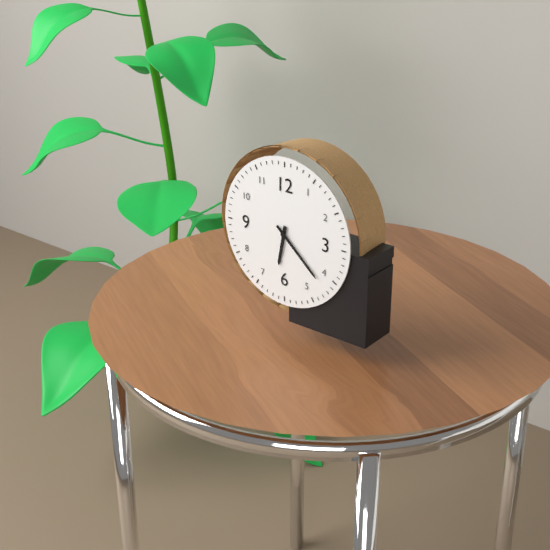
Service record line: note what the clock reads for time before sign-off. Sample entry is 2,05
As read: 6,22
